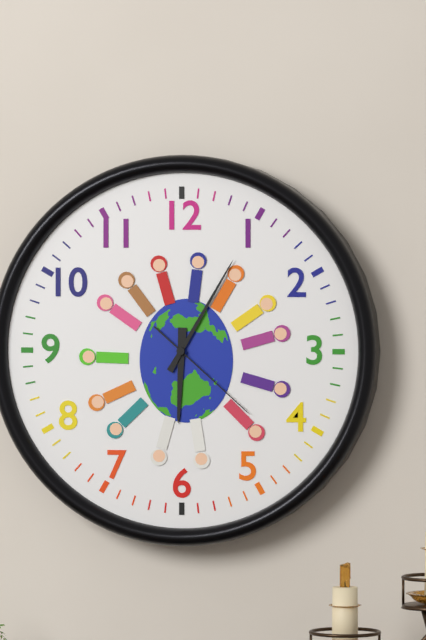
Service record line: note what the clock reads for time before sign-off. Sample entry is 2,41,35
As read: 6,05,22
